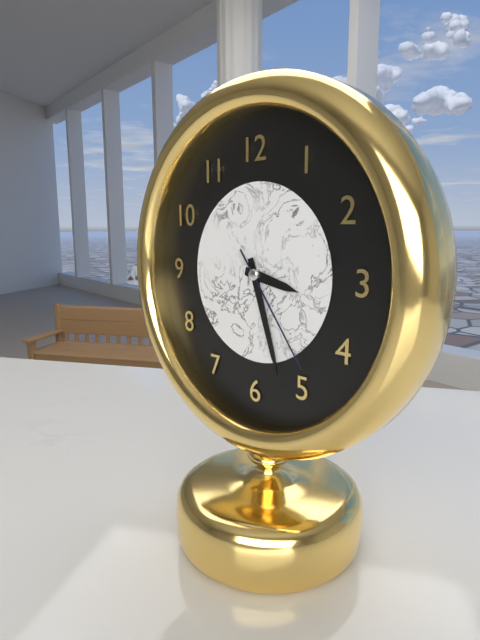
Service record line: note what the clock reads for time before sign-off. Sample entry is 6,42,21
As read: 3,27,24
